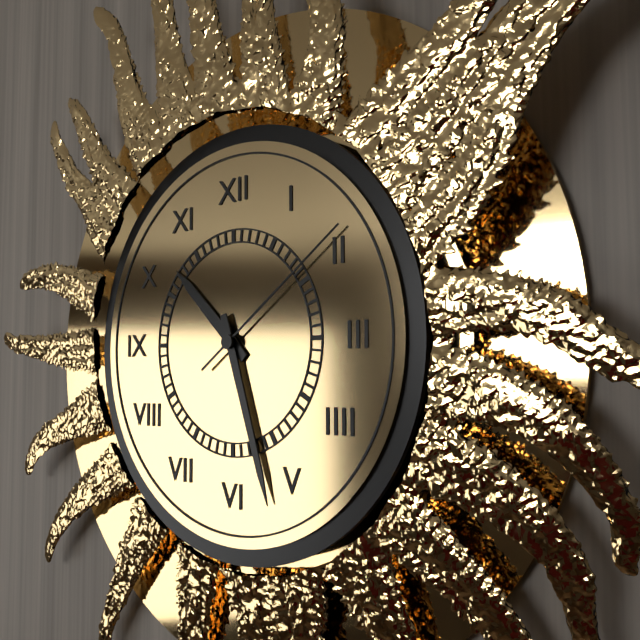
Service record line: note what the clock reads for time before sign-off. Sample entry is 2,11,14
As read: 10,27,09
